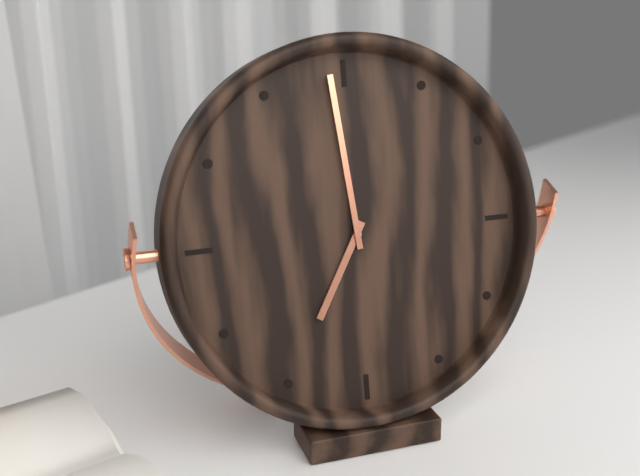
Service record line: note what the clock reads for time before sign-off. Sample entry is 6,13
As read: 6,59
